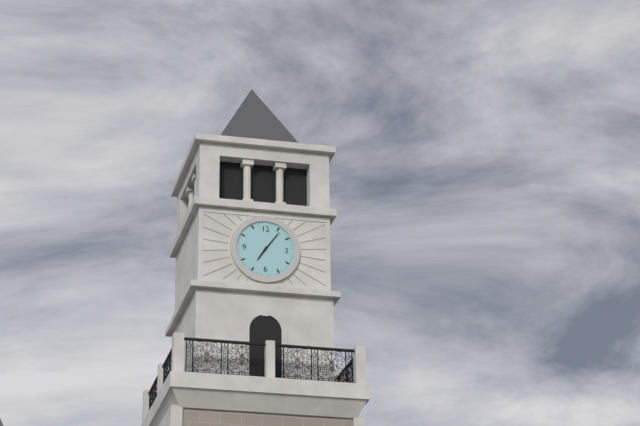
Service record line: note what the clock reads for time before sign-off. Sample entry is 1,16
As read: 7,06
